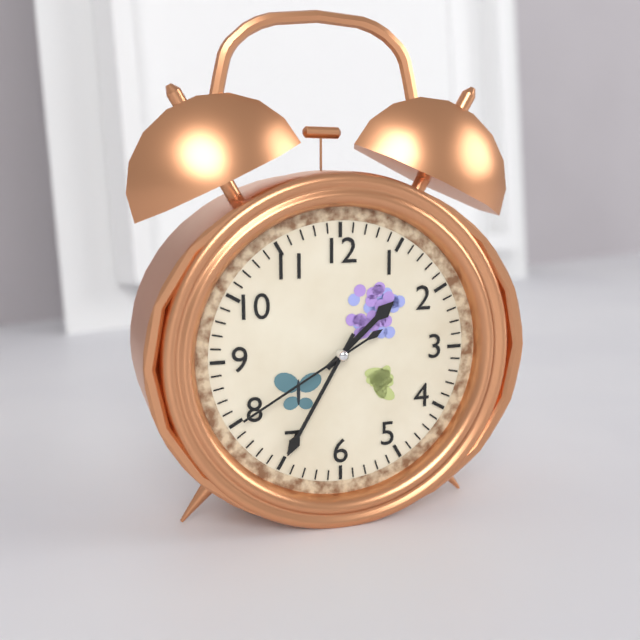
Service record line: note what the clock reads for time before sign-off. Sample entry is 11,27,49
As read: 1,35,40
